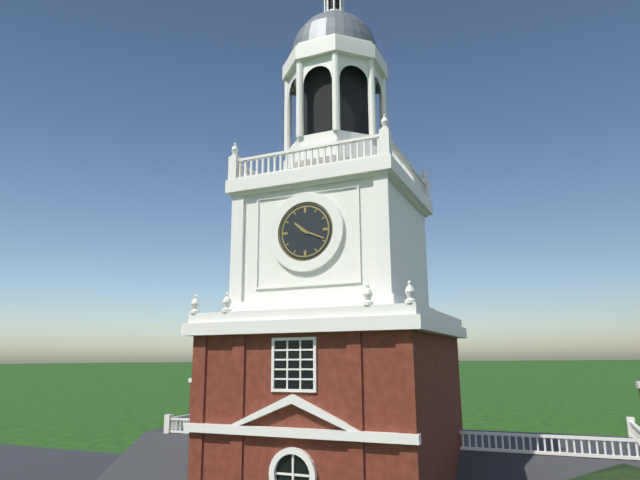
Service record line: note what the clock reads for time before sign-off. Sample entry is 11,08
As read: 10,19
